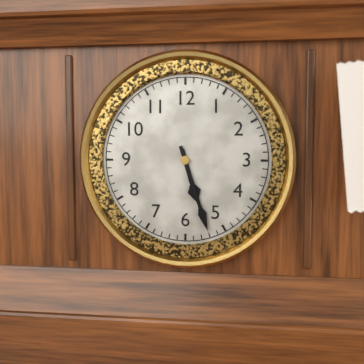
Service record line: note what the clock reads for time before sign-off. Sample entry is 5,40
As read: 5,27
